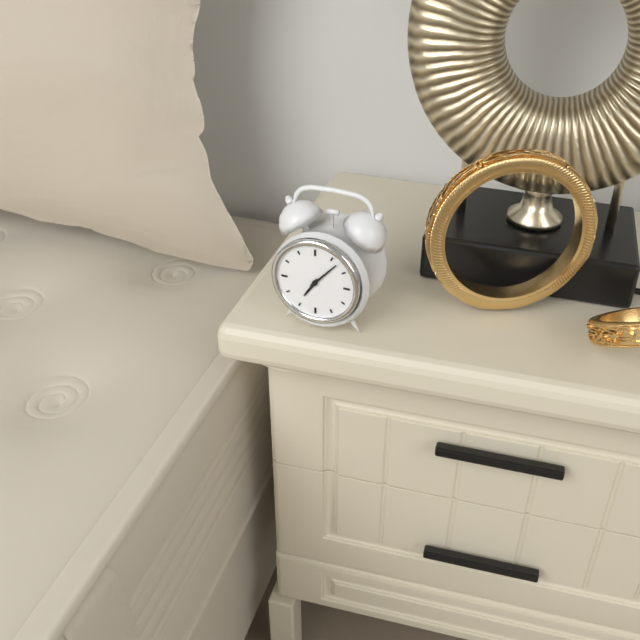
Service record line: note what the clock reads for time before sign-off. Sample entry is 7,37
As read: 7,07
